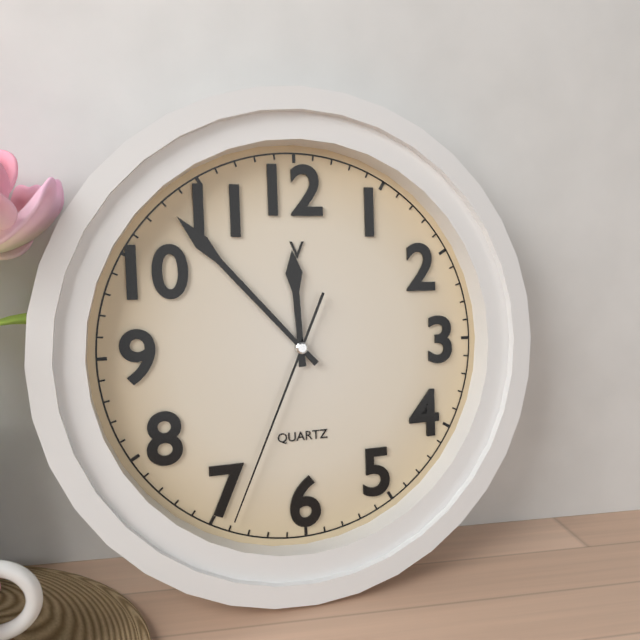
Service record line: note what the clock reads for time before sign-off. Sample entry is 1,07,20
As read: 11,53,34
